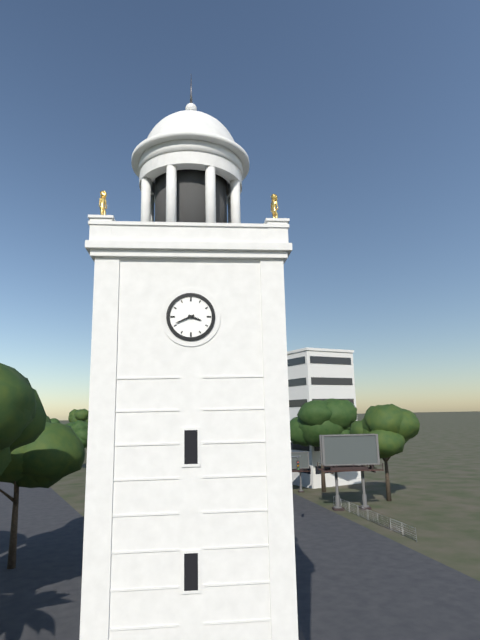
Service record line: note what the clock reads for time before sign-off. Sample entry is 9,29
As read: 3,41
